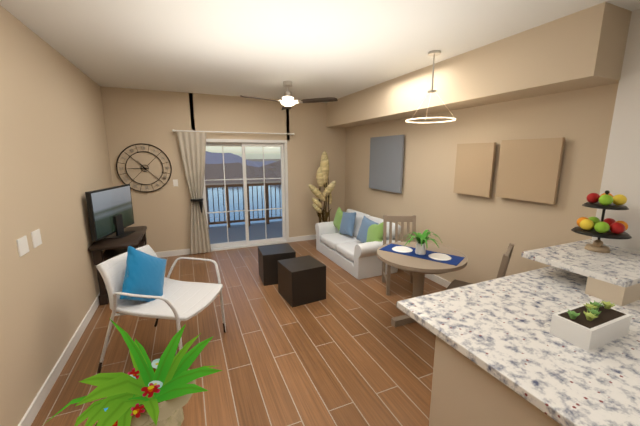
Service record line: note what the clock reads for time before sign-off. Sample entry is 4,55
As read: 10,45
